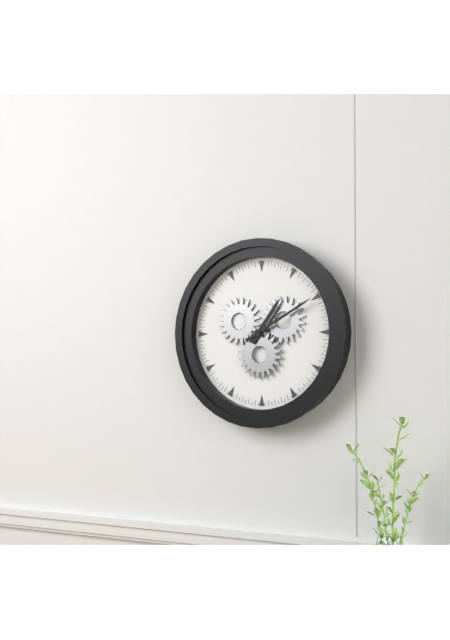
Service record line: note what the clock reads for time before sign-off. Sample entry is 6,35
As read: 1,10
